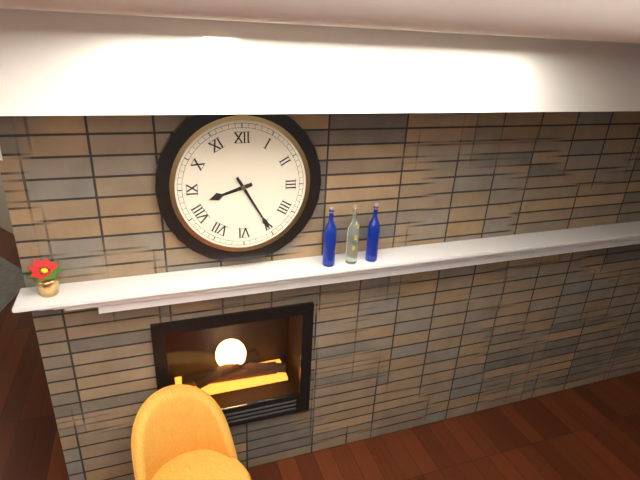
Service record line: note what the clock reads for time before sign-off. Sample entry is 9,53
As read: 8,25
